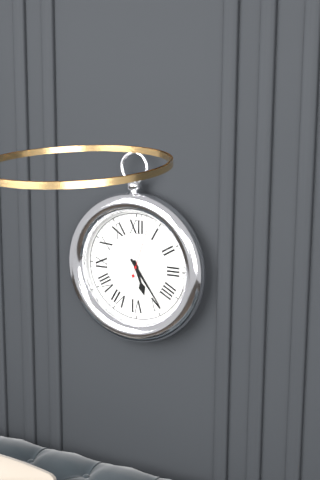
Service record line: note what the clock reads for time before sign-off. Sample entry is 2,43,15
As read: 5,24,03
